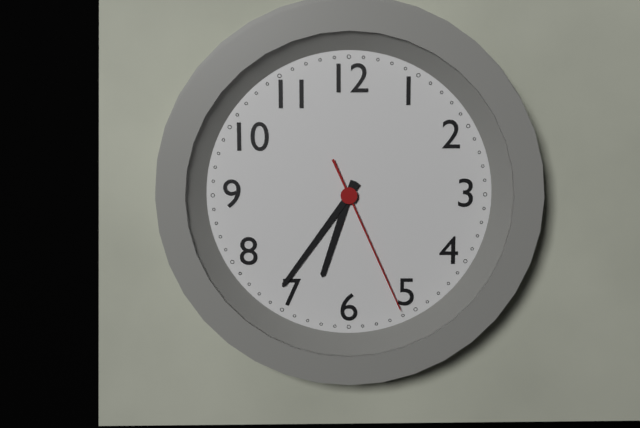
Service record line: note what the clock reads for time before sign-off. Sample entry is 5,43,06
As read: 6,36,26
